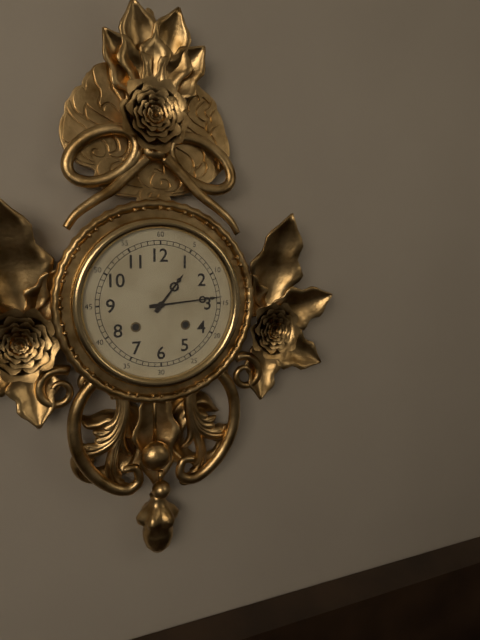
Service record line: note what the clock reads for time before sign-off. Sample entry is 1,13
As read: 1,14
